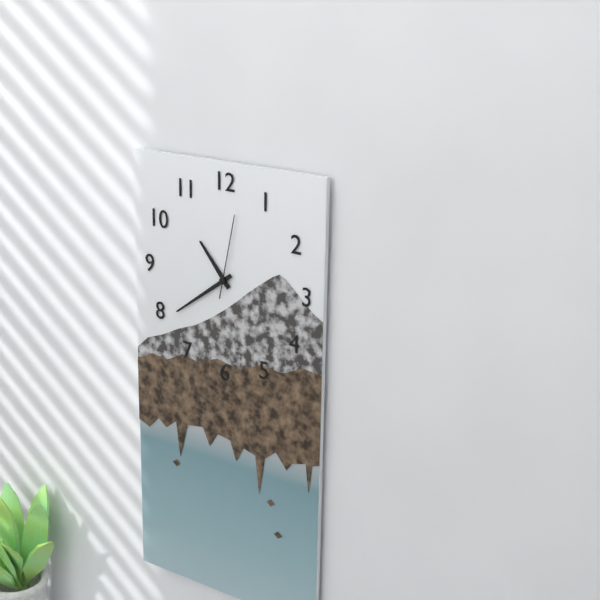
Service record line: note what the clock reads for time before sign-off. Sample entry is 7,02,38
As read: 10,39,02
